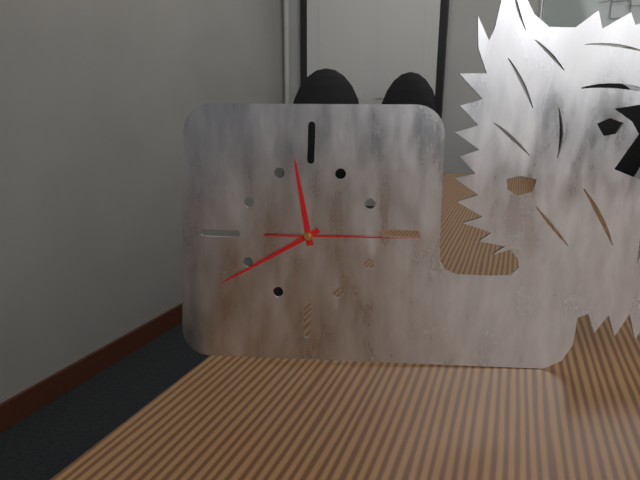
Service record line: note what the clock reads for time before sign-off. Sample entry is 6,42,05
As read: 11,40,15
